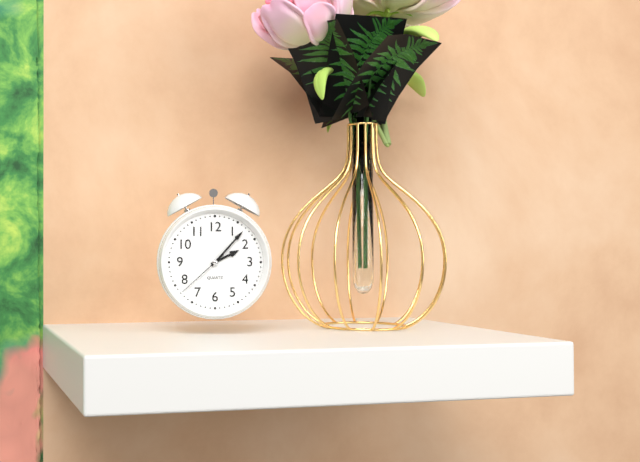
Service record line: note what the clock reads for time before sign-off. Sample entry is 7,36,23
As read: 2,07,38
